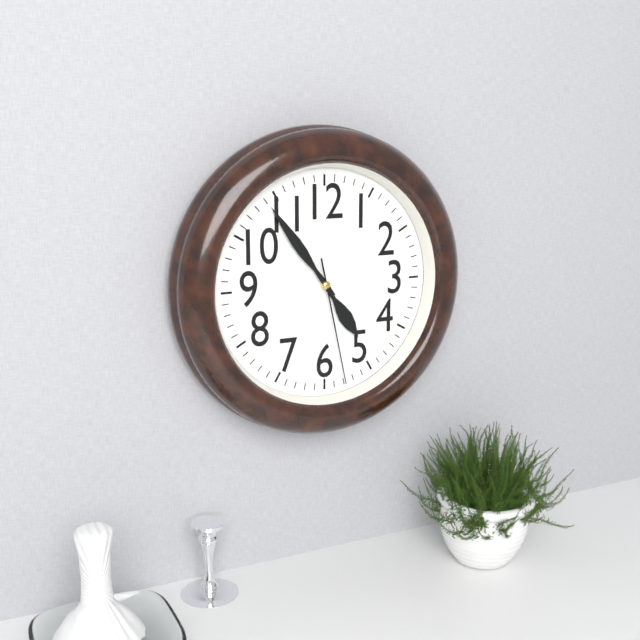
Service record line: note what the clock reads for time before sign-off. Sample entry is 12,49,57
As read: 4,54,28
